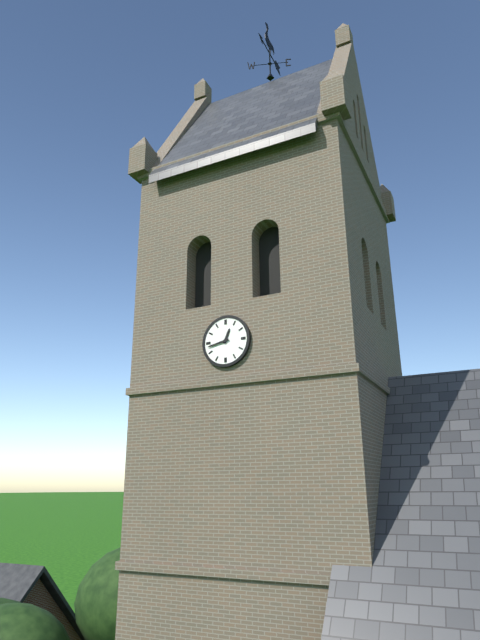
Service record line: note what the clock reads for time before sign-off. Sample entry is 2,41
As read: 12,43
